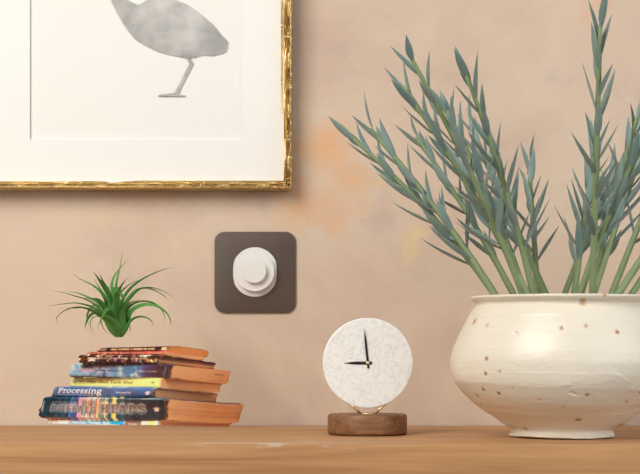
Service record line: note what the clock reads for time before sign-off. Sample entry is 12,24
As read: 8,59
